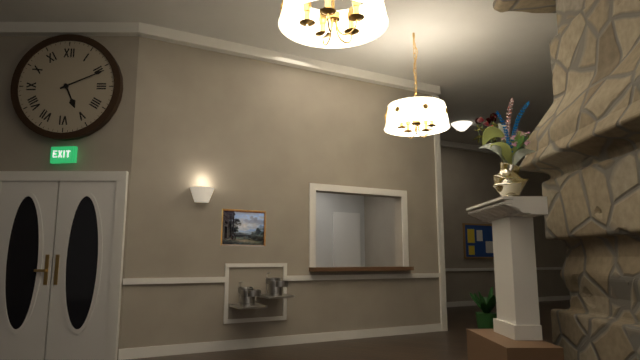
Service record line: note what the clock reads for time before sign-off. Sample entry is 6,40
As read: 5,11
